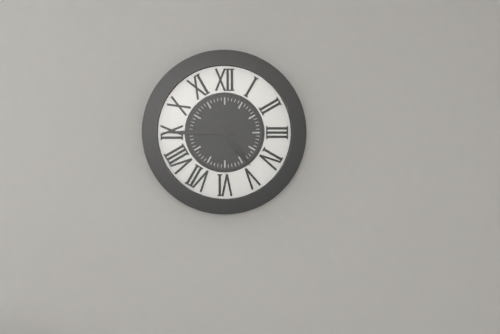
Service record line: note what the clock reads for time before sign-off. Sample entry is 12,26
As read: 4,45
